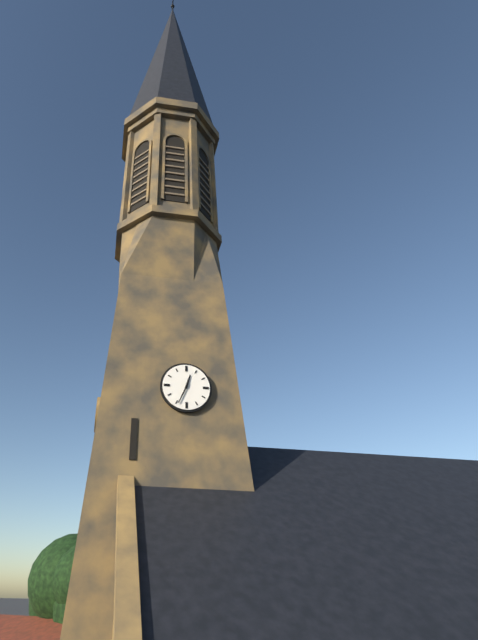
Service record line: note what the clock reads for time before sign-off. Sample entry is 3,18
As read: 12,34
